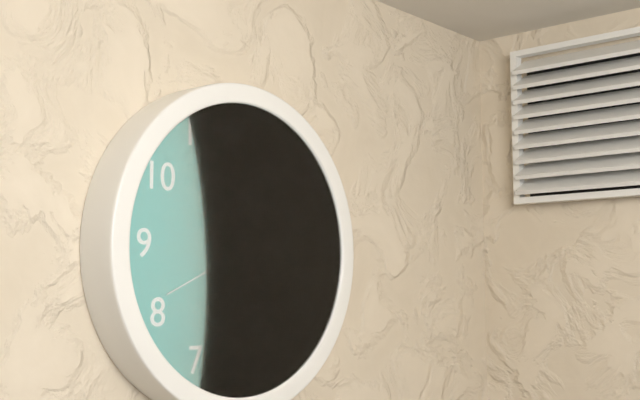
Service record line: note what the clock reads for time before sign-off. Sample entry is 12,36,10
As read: 11,03,41
